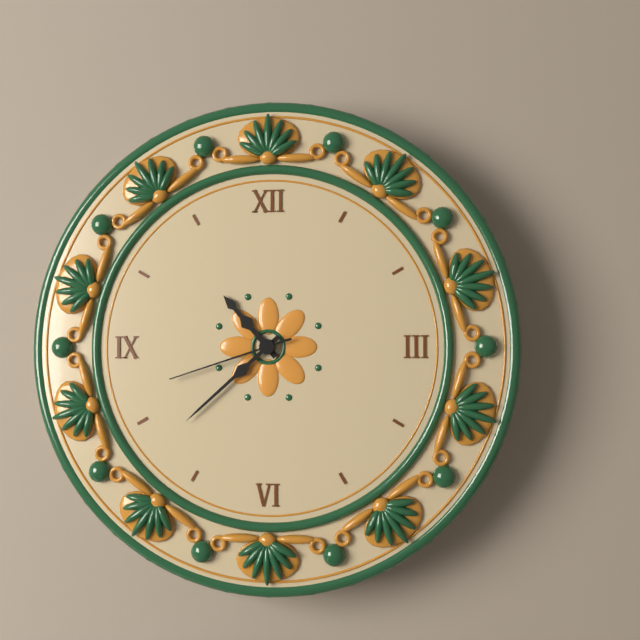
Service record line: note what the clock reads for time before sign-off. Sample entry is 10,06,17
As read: 10,38,42
